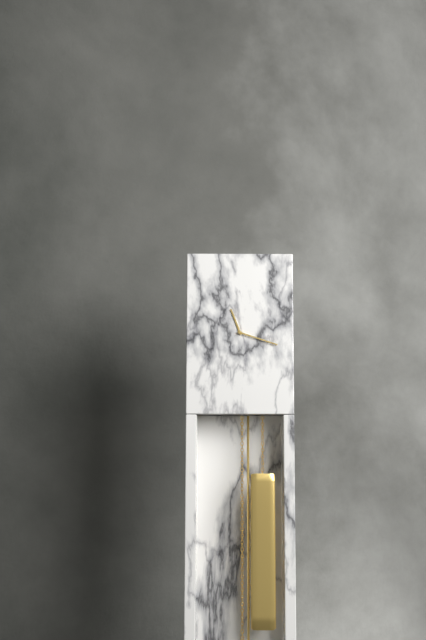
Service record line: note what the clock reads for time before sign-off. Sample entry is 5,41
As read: 11,18
